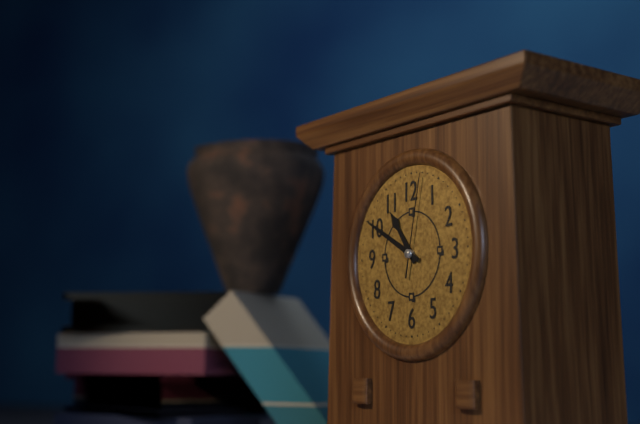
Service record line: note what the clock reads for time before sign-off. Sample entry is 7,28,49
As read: 10,50,02
